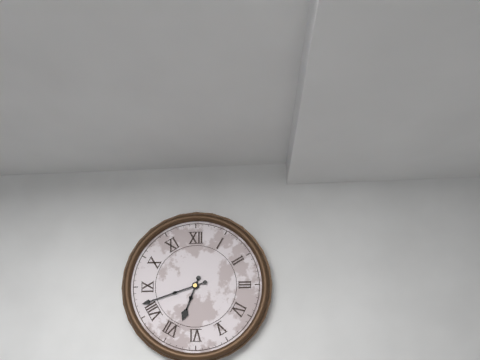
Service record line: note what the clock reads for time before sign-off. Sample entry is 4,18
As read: 6,42
